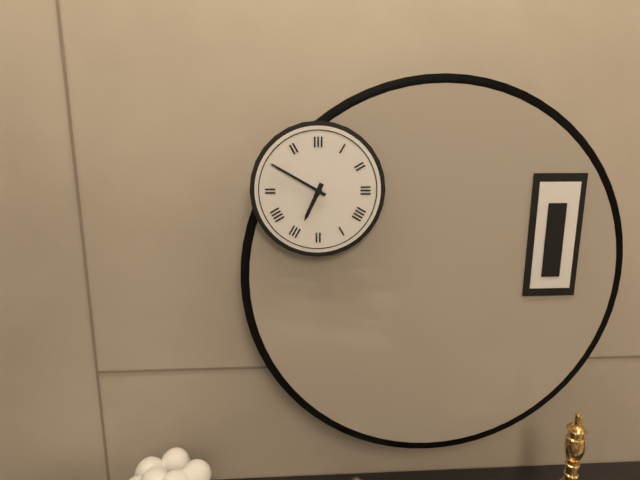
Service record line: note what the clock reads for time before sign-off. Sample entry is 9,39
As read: 6,50
